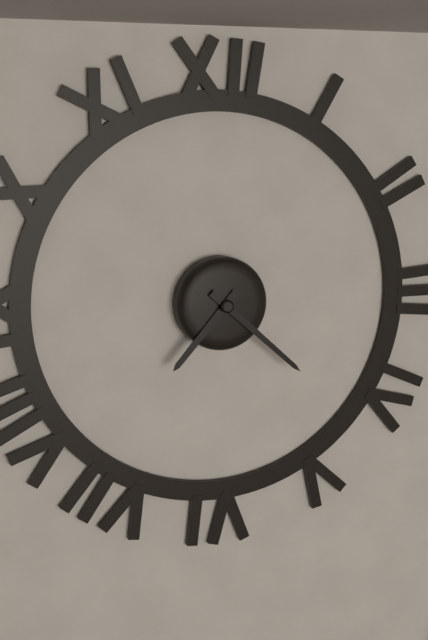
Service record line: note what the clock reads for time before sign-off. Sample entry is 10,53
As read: 7,22
